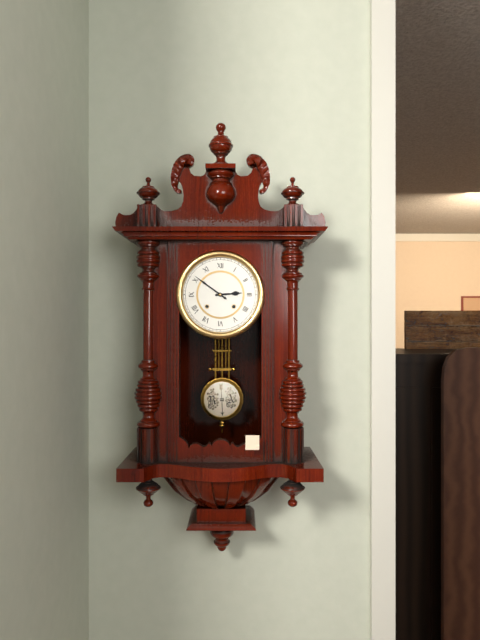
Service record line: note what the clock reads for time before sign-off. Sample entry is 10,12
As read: 2,51
